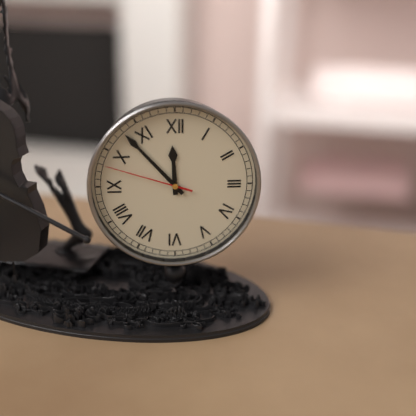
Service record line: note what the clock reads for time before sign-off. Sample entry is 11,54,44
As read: 11,53,48
